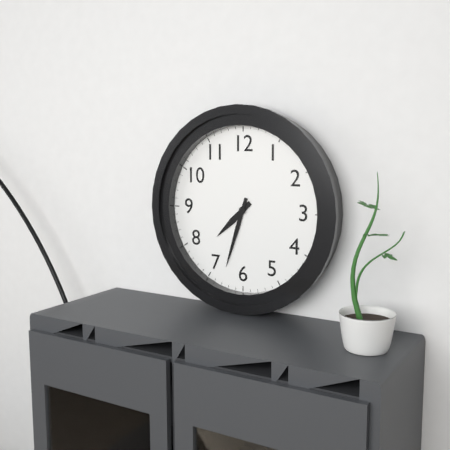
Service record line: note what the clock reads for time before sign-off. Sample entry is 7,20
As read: 7,33
